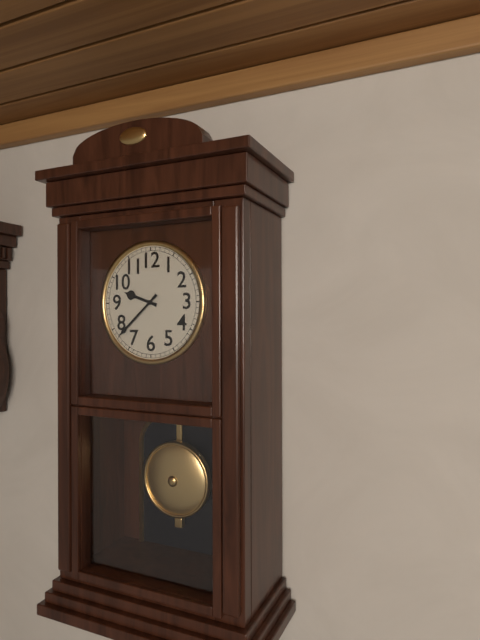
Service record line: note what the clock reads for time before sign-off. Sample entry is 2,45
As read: 9,38
